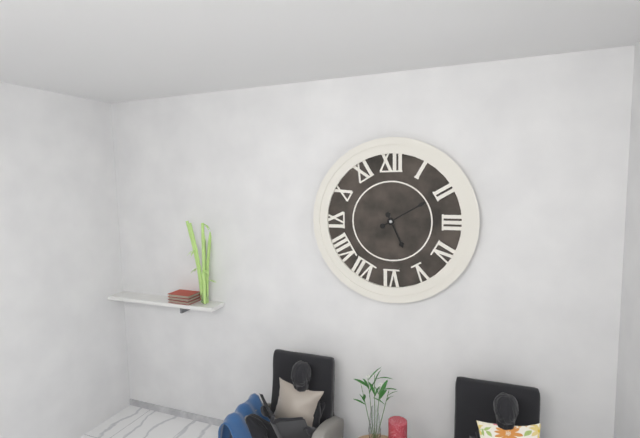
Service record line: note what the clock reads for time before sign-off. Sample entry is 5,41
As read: 5,10
